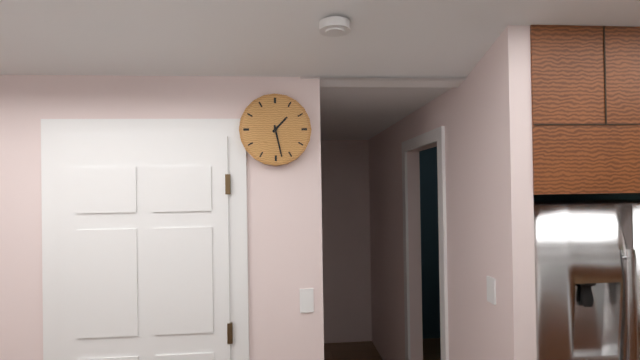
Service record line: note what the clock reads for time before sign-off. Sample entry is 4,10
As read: 1,28
